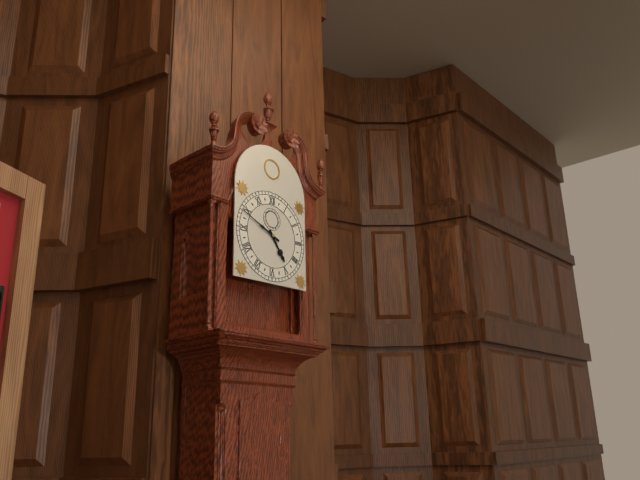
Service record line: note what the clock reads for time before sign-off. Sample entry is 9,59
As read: 4,49
